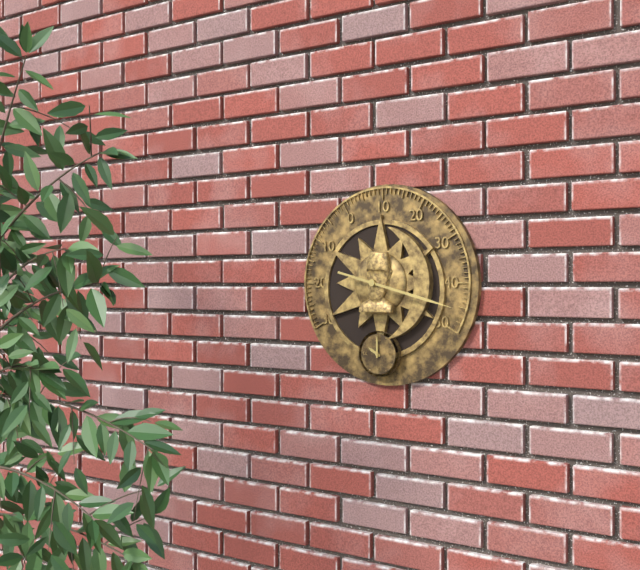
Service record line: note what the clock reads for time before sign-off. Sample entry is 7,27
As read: 10,00
